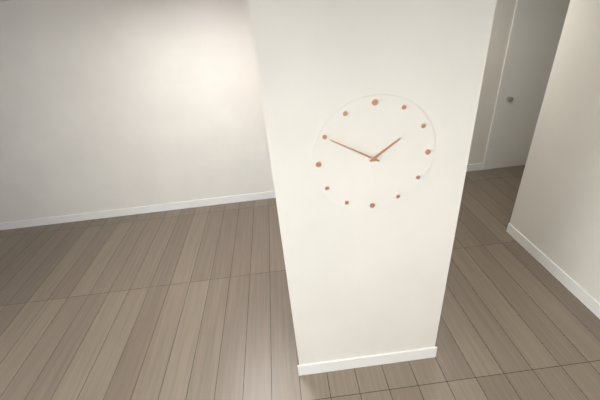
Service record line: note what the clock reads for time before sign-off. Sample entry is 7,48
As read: 1,50
